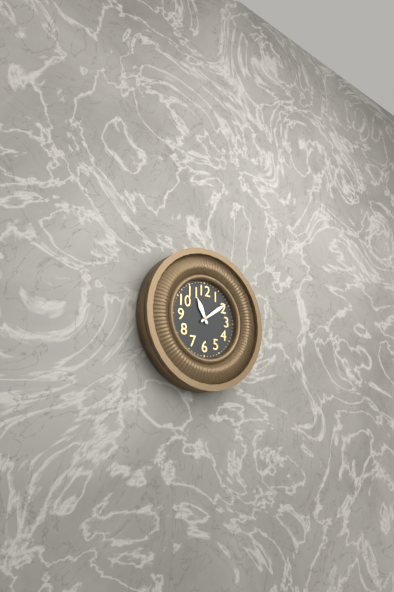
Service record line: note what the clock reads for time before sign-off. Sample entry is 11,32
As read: 11,09
